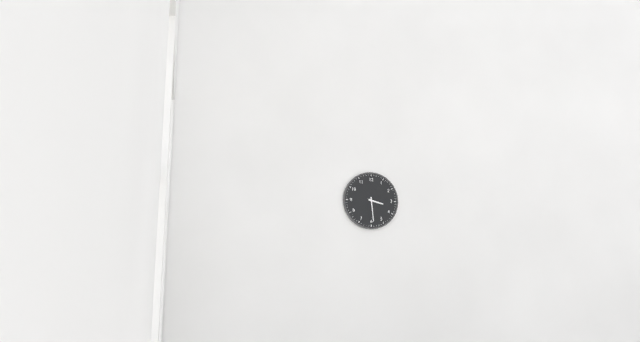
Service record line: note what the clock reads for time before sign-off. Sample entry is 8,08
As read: 3,29
